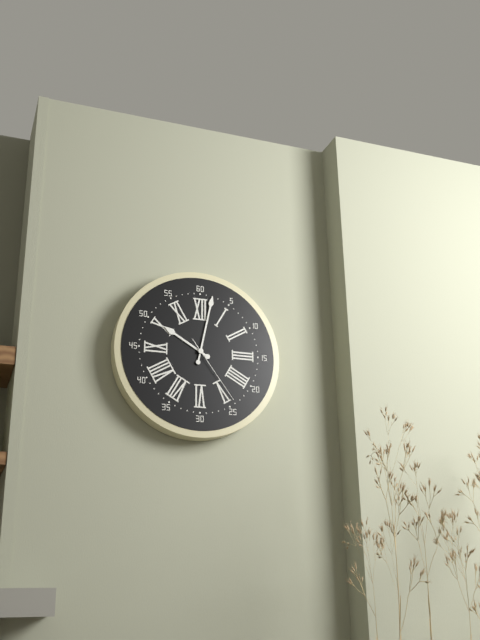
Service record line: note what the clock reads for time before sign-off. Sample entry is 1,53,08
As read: 10,02,24
